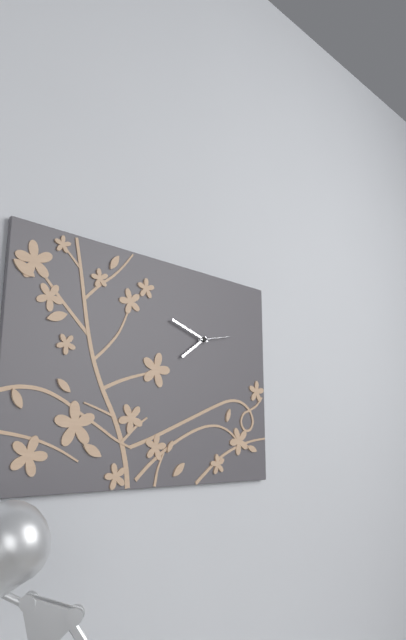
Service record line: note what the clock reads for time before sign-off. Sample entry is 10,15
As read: 7,48
